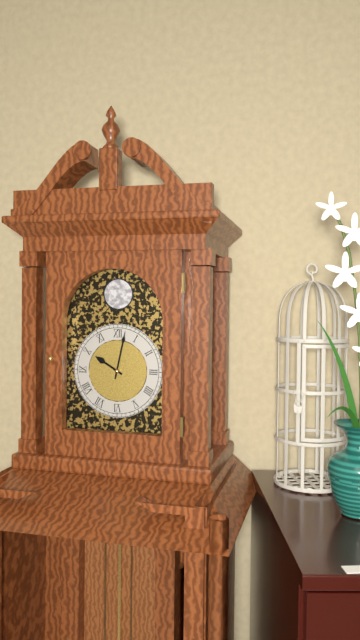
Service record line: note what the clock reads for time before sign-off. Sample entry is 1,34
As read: 10,02
